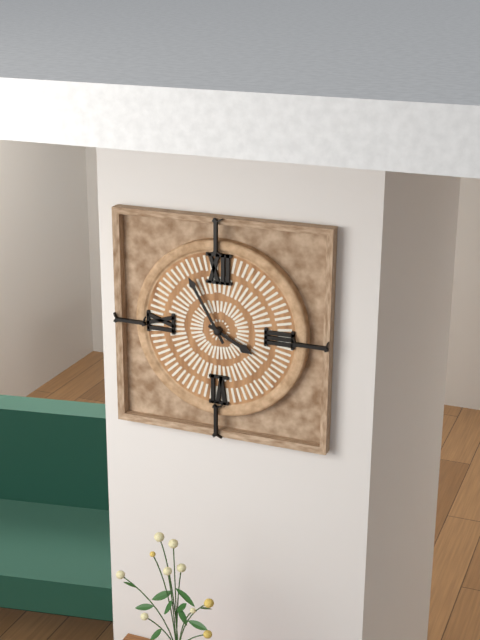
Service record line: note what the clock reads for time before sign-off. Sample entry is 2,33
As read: 3,55
